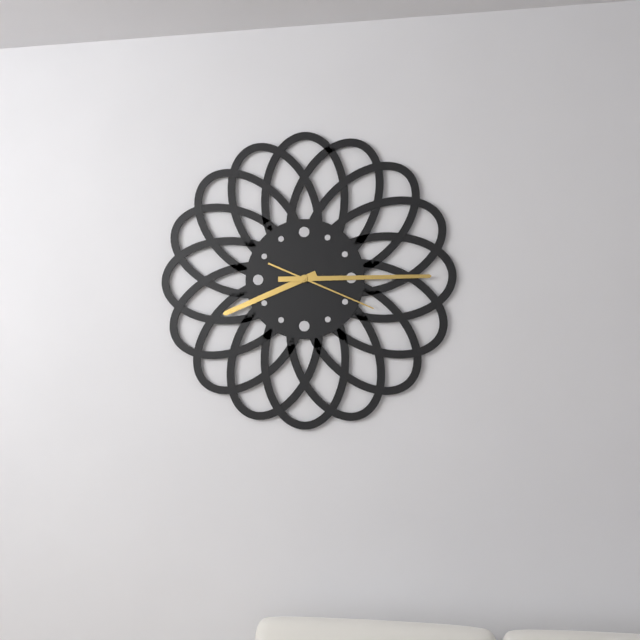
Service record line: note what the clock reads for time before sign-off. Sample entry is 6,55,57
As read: 8,15,19
